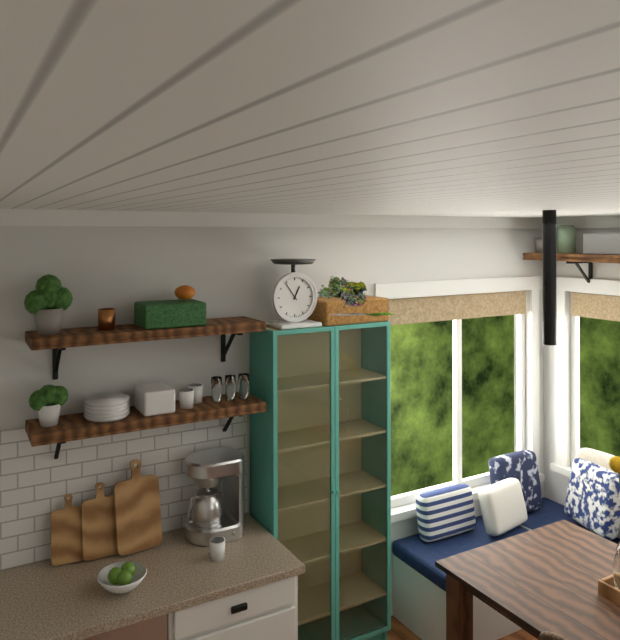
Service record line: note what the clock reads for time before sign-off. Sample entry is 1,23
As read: 12,54
